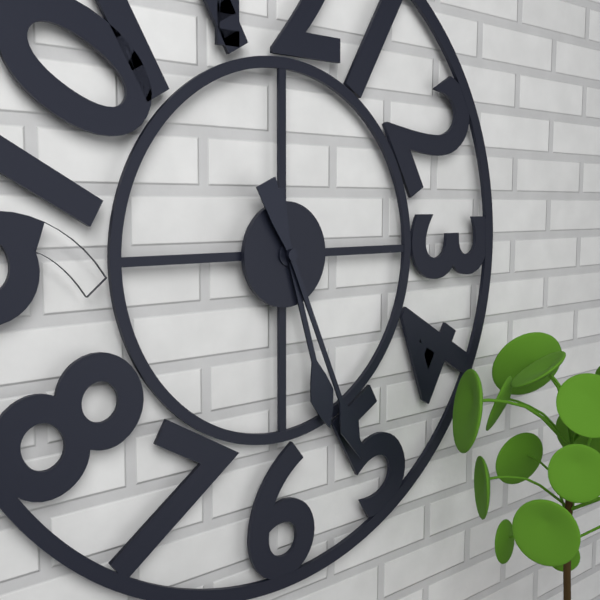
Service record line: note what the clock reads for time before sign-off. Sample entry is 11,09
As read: 5,26
